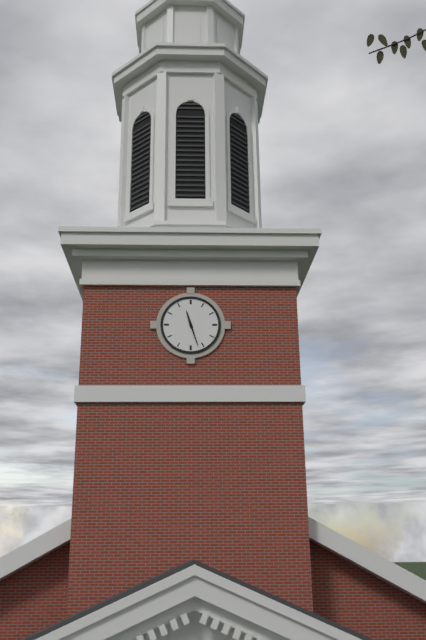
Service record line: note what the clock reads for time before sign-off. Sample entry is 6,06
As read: 11,27
